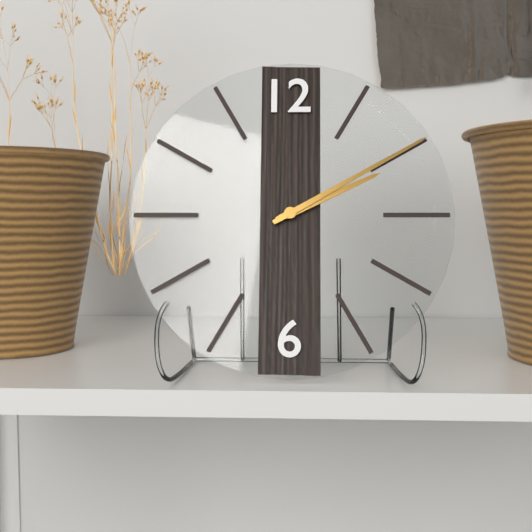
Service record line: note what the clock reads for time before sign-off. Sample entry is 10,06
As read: 2,10
